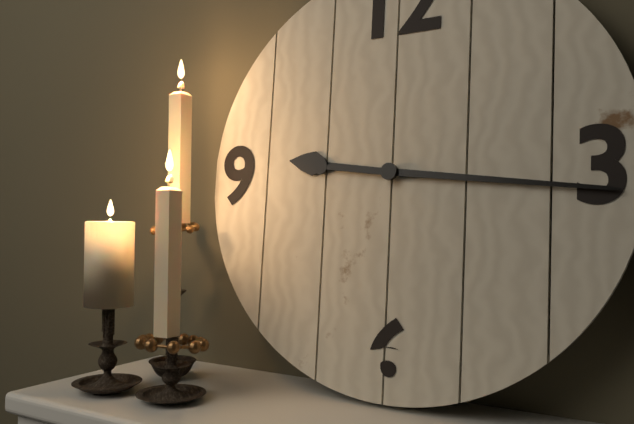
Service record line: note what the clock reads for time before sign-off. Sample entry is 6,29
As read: 9,16
